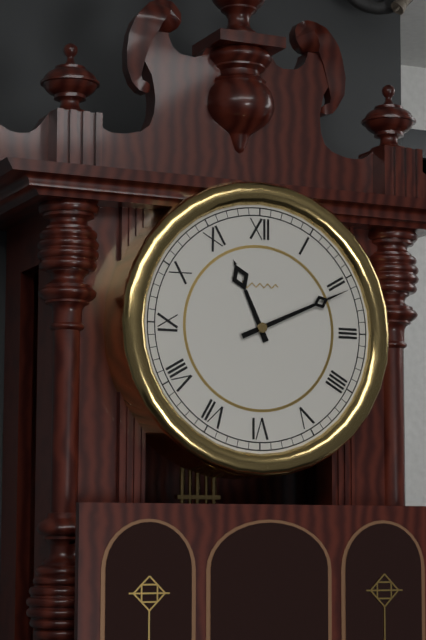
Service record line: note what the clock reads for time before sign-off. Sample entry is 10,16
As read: 11,11
